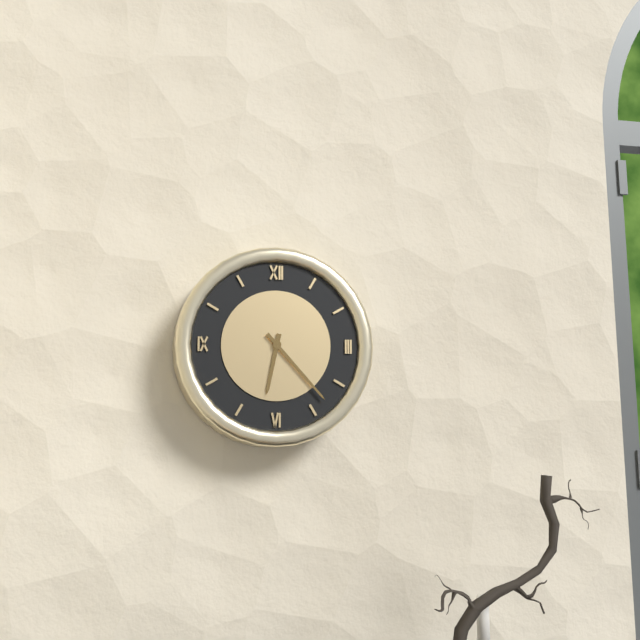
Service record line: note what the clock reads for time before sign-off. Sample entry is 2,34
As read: 6,23
